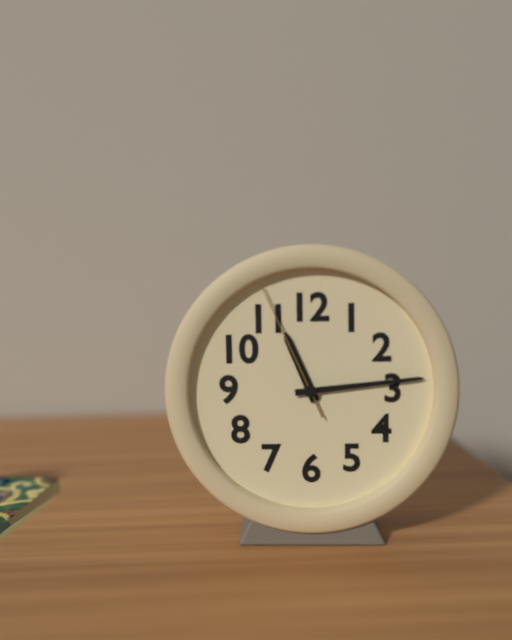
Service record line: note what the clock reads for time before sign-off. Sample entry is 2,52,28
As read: 11,14,56
